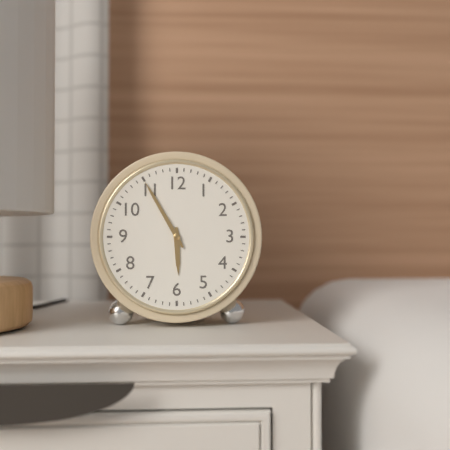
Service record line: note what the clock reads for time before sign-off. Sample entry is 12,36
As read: 5,55
